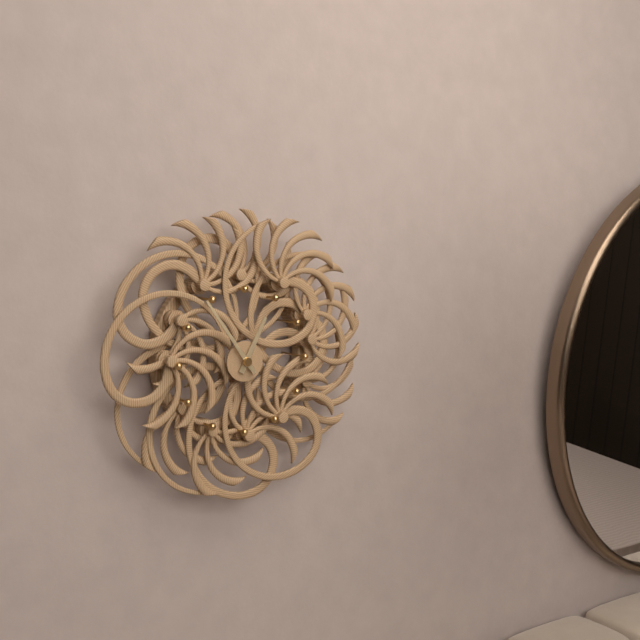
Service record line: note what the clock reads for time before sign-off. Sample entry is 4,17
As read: 12,54
